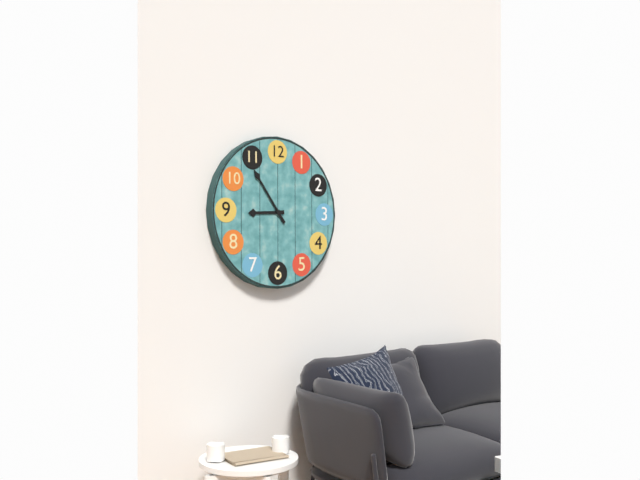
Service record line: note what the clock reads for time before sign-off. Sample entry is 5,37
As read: 8,54
